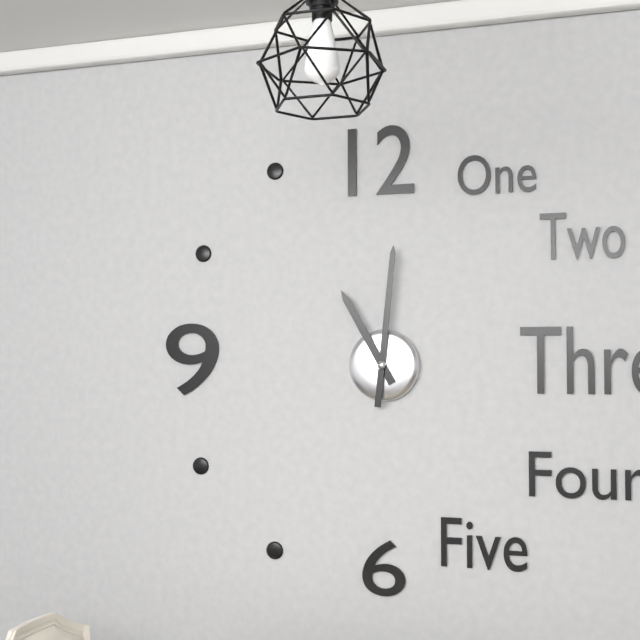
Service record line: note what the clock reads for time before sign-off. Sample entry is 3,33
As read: 11,01
